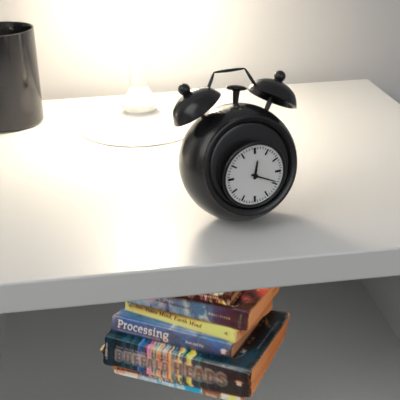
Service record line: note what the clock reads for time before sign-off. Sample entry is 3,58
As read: 12,19
